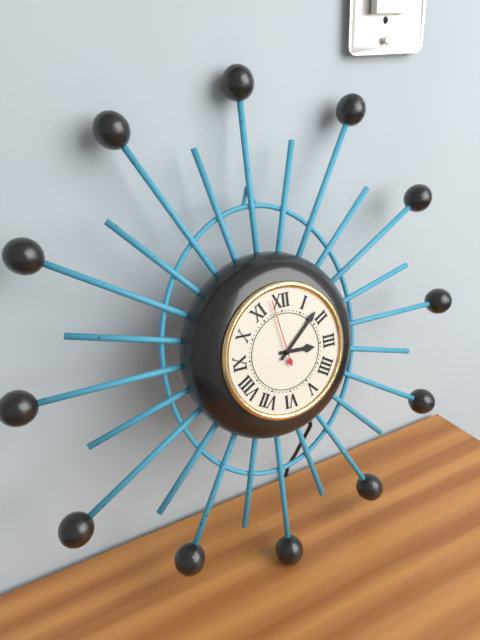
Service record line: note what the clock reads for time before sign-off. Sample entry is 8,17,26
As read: 3,08,58
